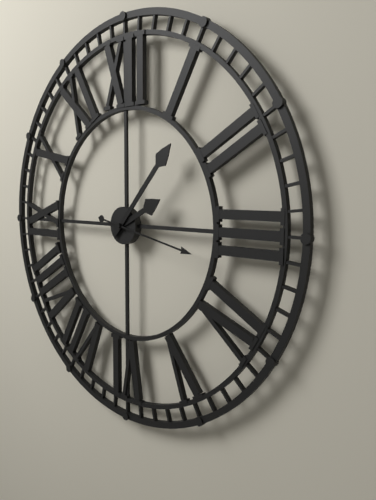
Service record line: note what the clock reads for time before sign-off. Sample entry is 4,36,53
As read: 2,07,17
